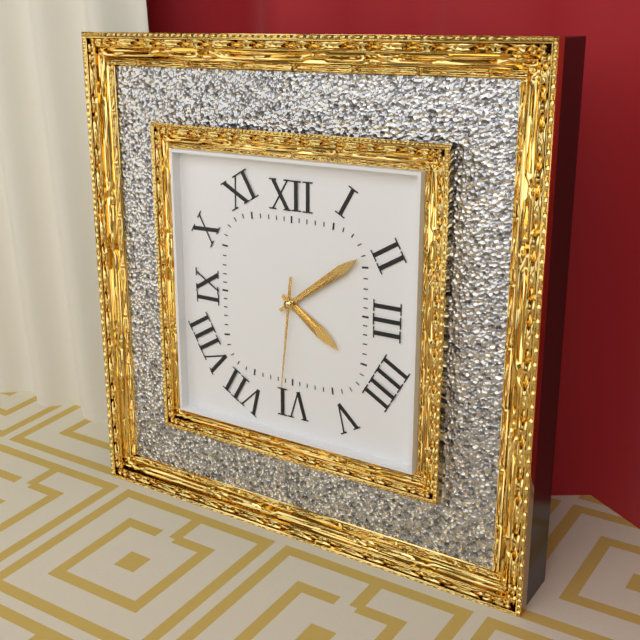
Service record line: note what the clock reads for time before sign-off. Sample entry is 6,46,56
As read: 4,09,31
